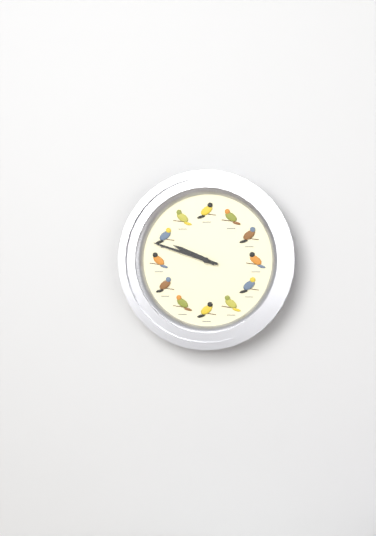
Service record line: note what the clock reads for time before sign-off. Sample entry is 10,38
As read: 9,48
